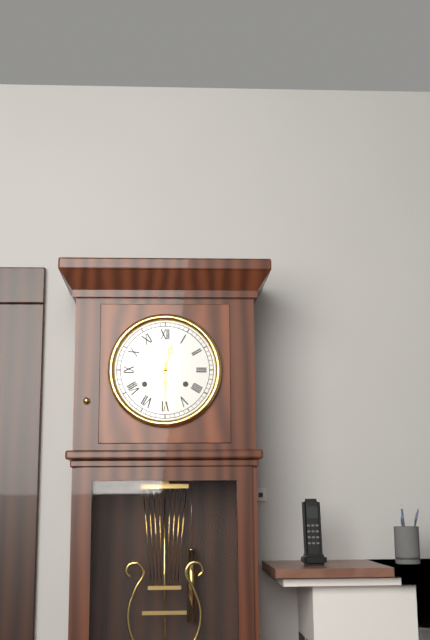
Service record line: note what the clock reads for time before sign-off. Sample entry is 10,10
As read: 12,30
